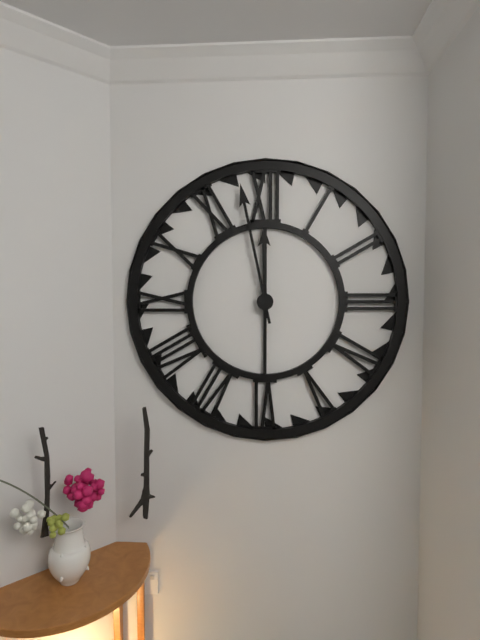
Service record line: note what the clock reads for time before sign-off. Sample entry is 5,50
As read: 11,58
